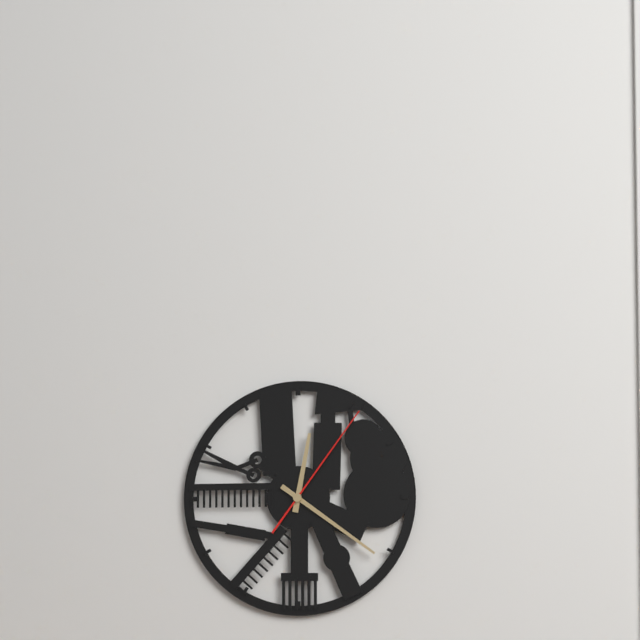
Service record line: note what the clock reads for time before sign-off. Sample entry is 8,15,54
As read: 12,21,06
